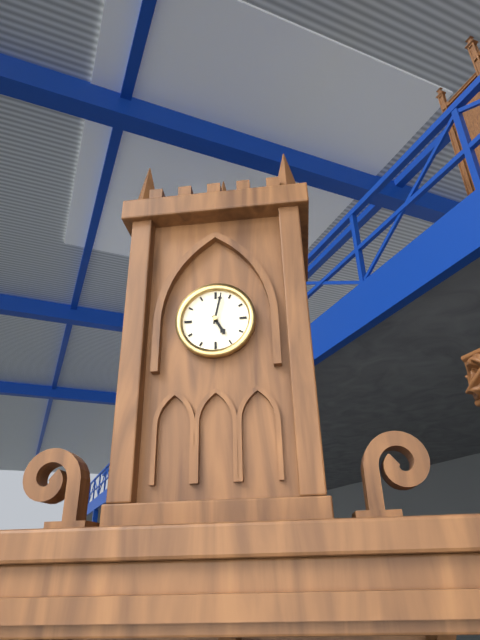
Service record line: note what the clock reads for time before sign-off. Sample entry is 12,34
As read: 5,02
